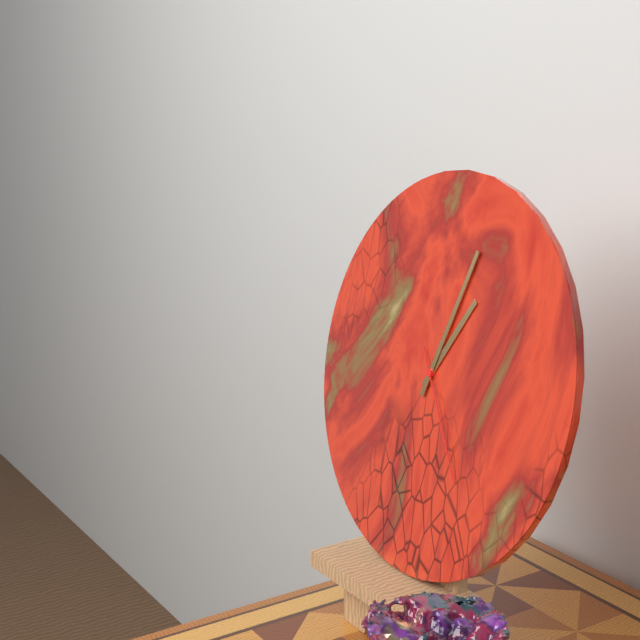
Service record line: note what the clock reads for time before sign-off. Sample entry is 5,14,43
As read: 1,03,24
